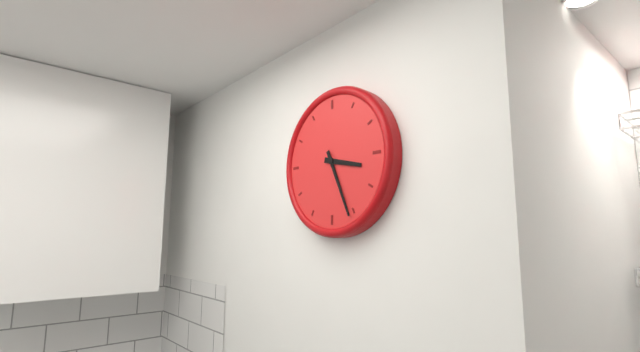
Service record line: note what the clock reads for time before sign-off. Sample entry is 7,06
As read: 3,26
